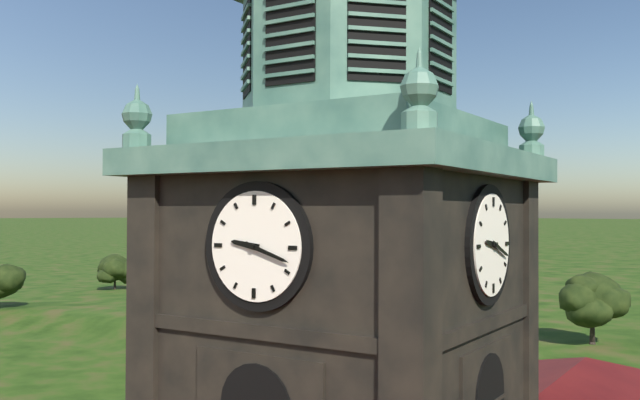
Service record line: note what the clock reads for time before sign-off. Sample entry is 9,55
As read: 9,18
